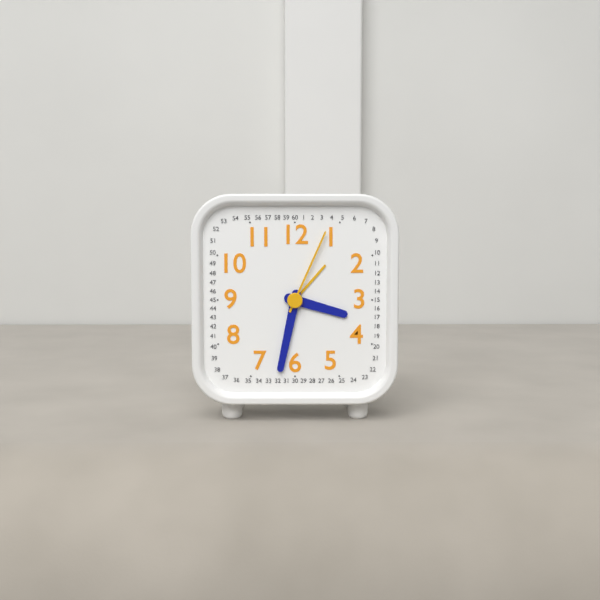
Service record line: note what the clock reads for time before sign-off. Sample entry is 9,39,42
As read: 3,32,04
